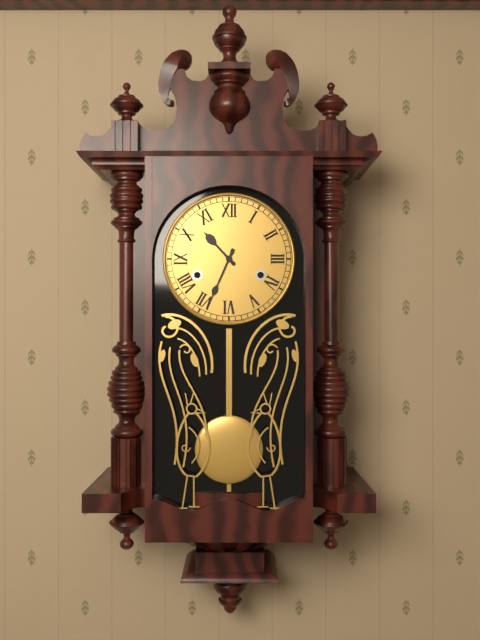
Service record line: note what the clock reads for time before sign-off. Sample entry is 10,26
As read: 10,34
